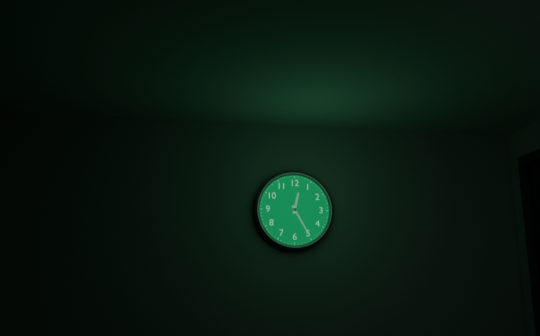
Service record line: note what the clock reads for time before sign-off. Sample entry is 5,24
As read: 12,25
